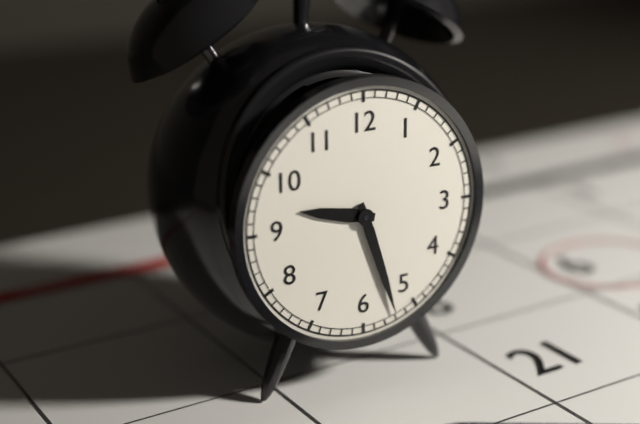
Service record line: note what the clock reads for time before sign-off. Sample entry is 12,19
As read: 9,27
